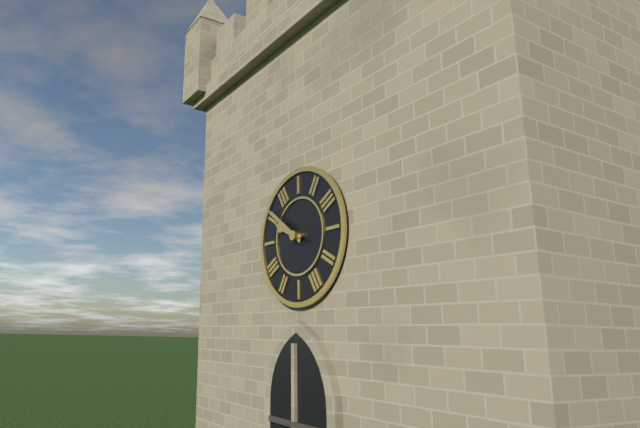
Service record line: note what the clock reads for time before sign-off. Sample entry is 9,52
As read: 9,51
